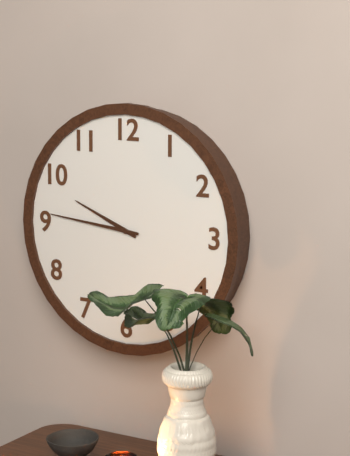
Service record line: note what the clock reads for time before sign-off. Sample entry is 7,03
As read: 9,46
